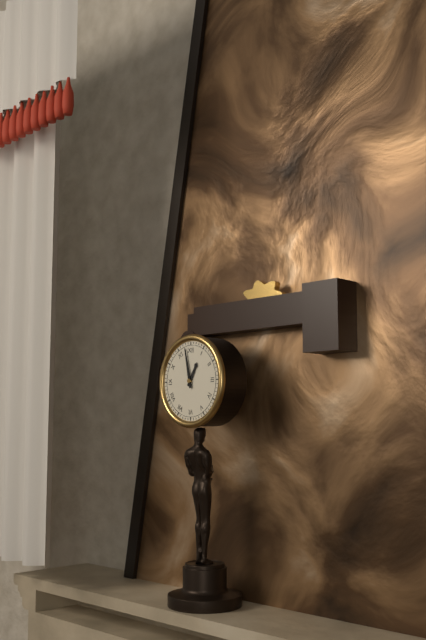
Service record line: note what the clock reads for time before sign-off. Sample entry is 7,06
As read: 12,58
